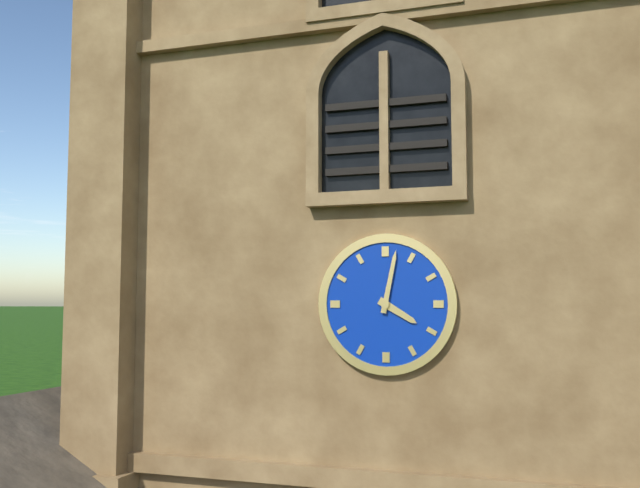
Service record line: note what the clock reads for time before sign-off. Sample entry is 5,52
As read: 4,02
